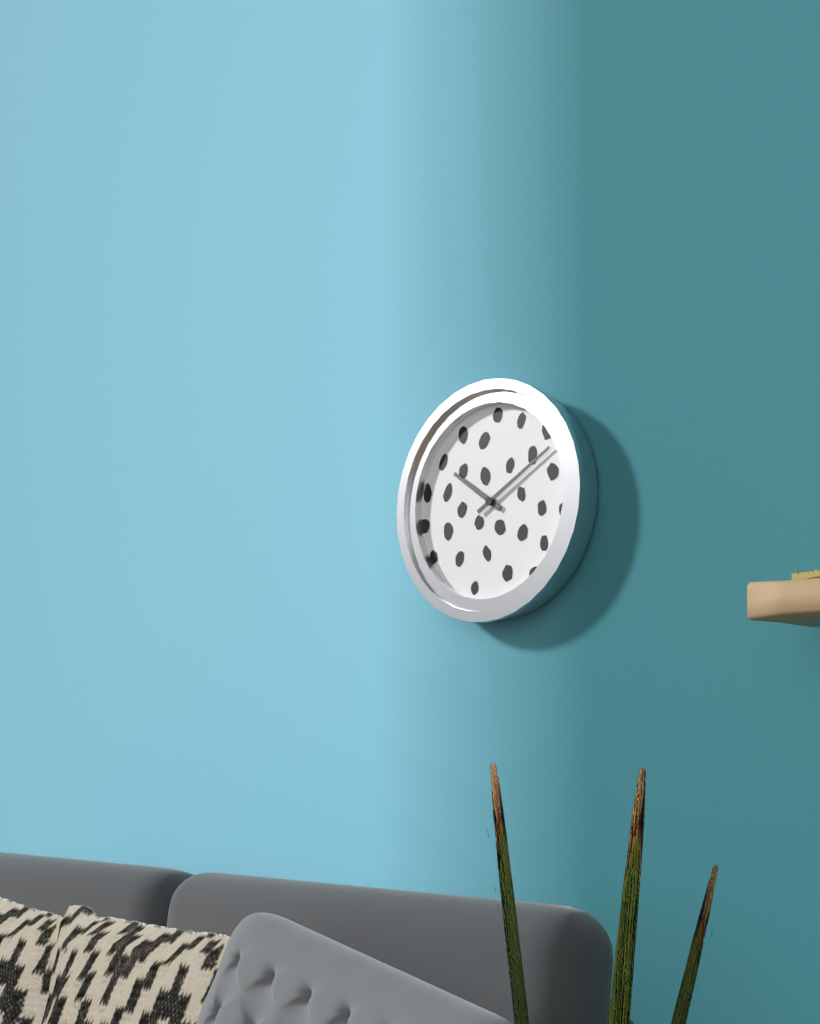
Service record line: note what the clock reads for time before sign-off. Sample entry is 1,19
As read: 10,10
